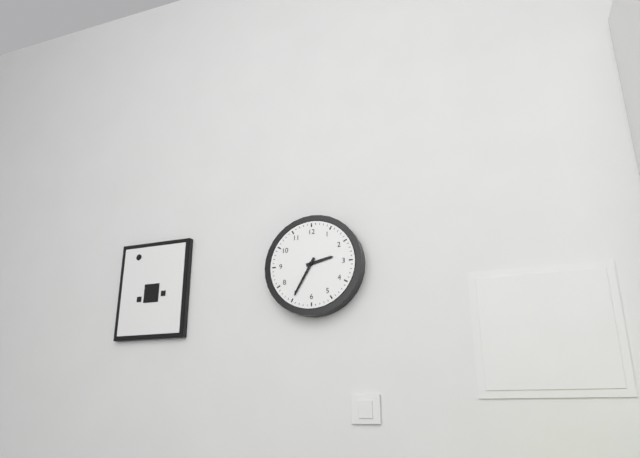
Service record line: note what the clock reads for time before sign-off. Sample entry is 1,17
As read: 2,35
